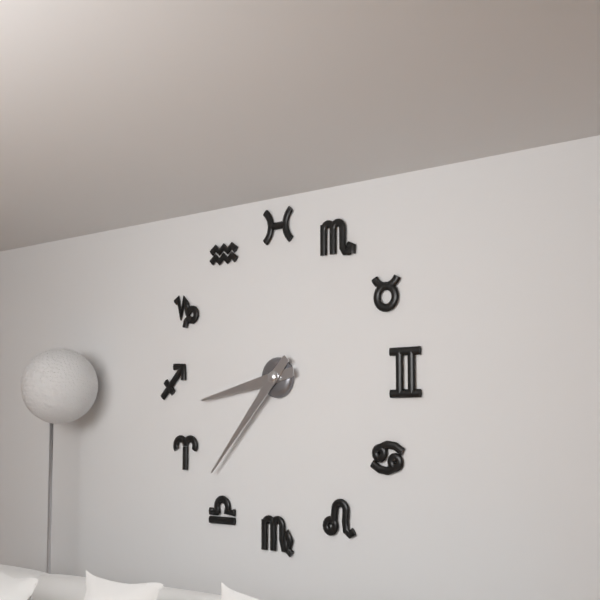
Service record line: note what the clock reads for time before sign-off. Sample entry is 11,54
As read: 8,37
